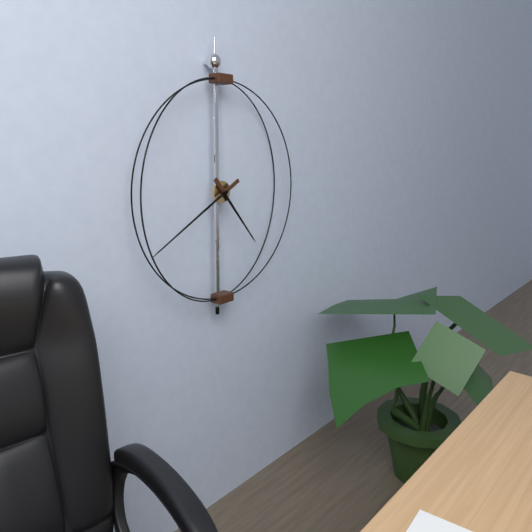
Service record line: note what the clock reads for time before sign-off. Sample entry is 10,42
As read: 4,40
